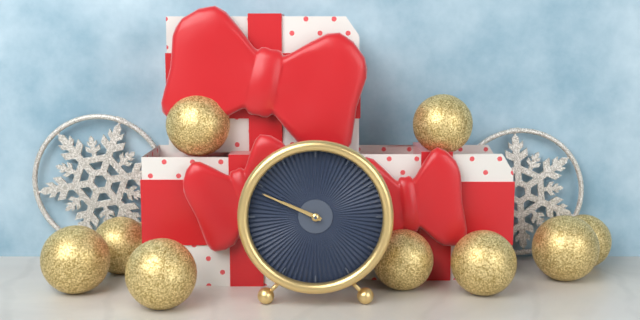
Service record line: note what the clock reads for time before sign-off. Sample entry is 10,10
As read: 9,49
